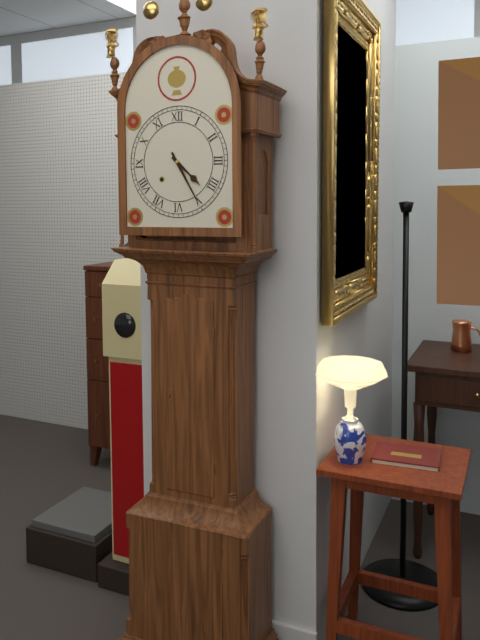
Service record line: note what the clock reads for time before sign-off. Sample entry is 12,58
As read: 4,25
